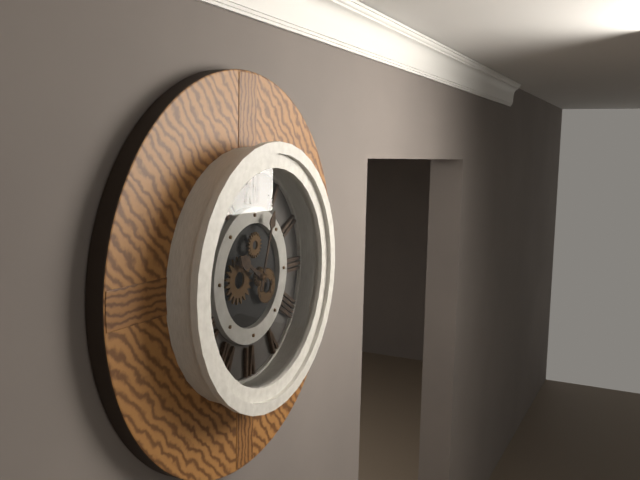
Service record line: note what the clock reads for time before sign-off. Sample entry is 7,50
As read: 10,03
